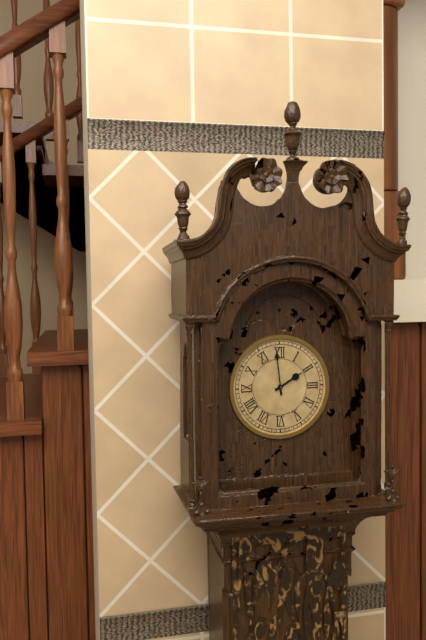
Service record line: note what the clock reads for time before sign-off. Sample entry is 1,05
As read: 1,59
